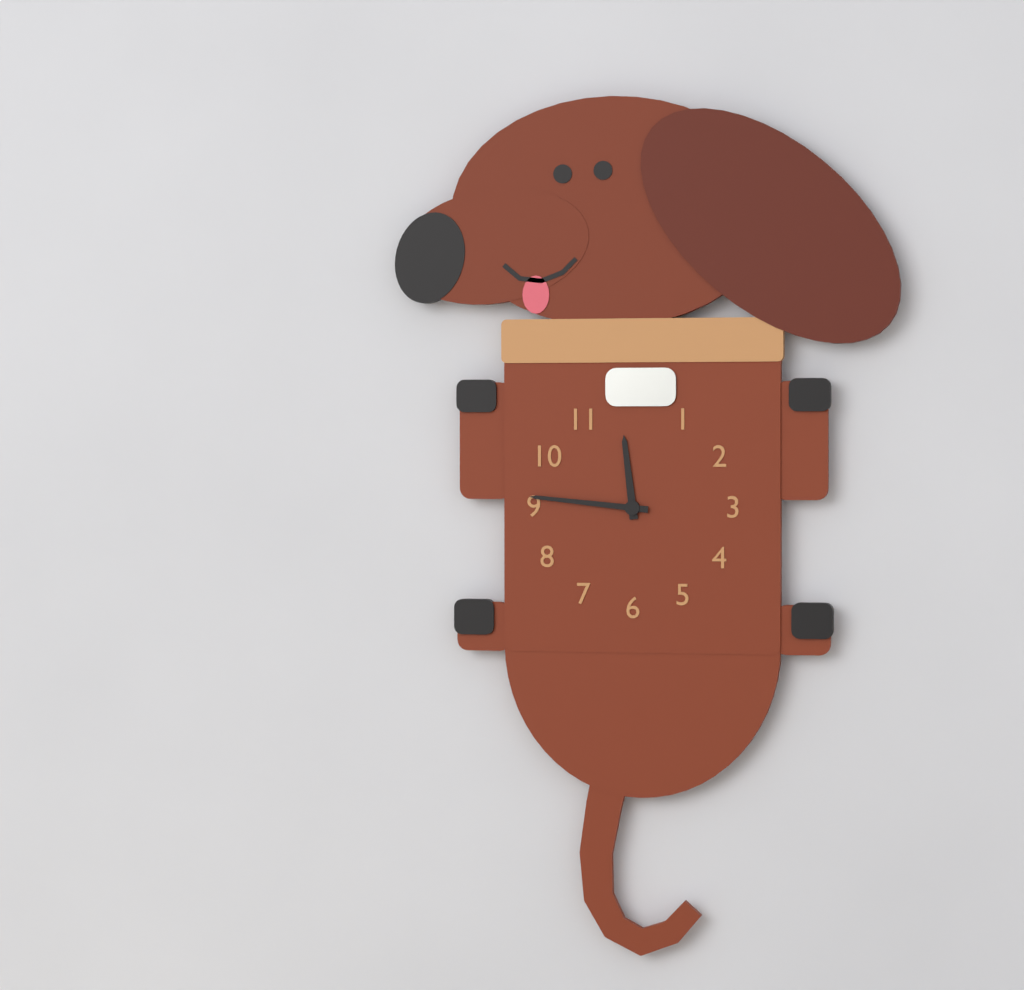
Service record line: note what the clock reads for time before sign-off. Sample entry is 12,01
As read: 11,46
